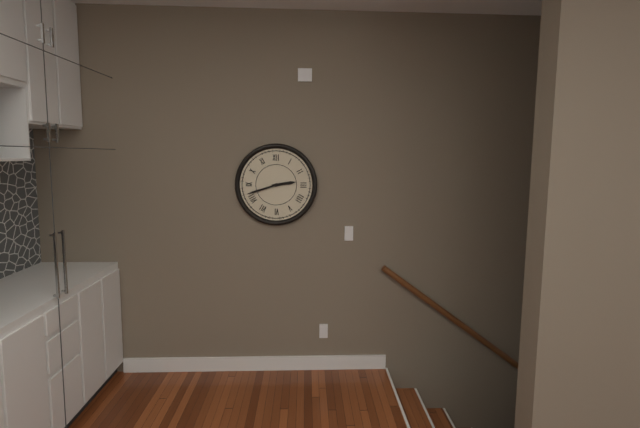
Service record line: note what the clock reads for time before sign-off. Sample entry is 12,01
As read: 2,42
